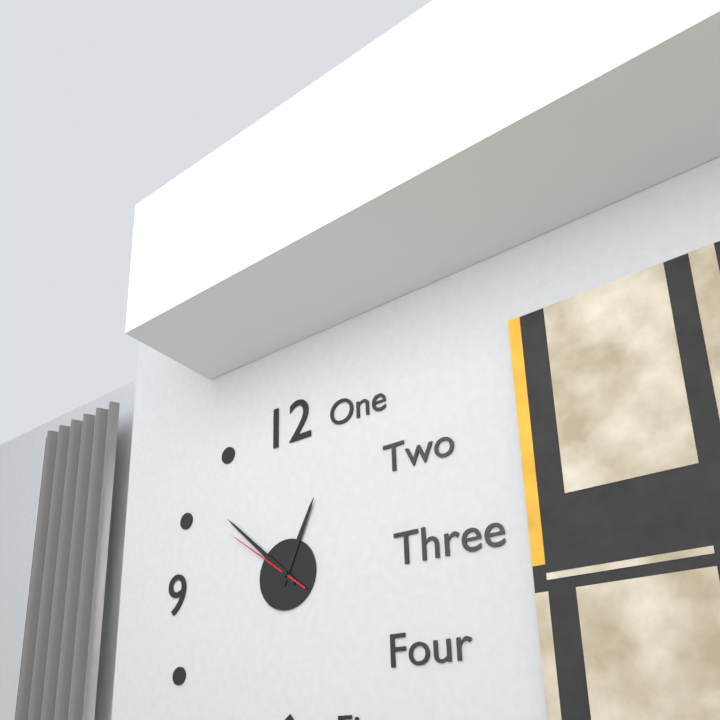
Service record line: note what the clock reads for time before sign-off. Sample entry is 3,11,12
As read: 12,52,51
